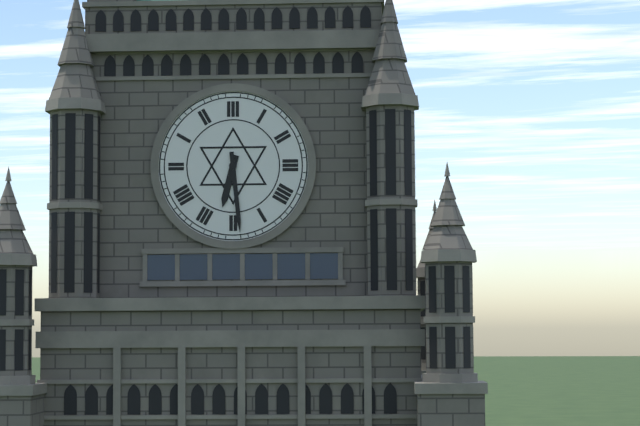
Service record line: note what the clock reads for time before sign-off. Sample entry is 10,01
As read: 6,29
